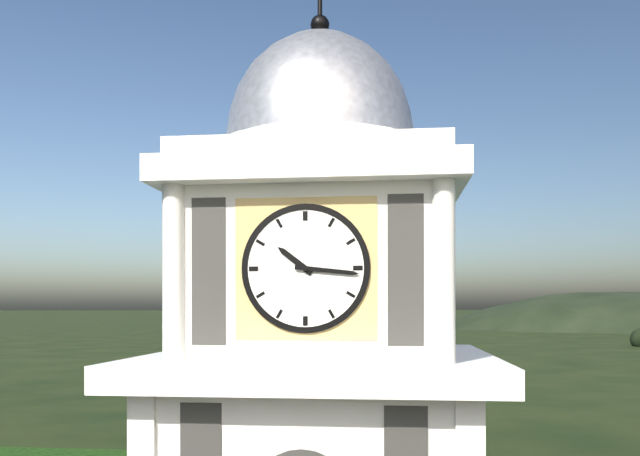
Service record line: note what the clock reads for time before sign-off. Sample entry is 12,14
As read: 10,16
